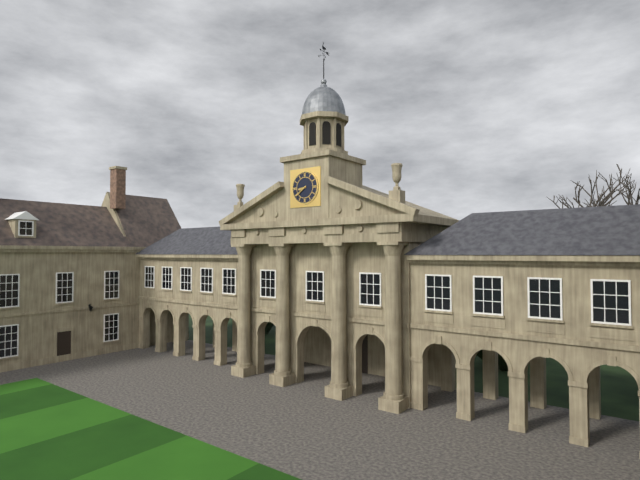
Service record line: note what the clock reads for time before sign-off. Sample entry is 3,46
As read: 8,39
